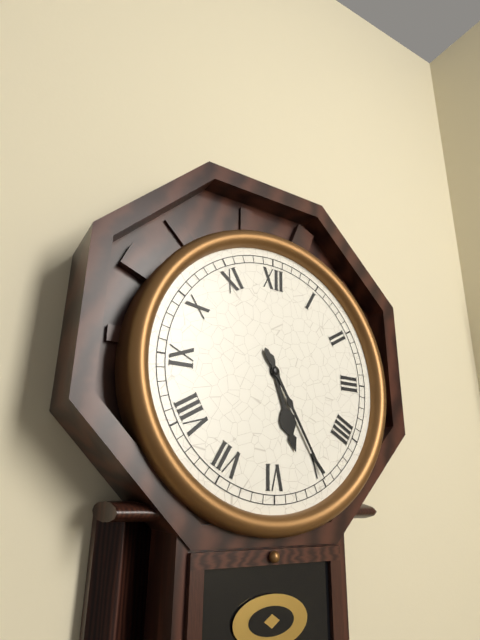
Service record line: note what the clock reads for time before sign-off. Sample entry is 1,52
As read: 5,25
